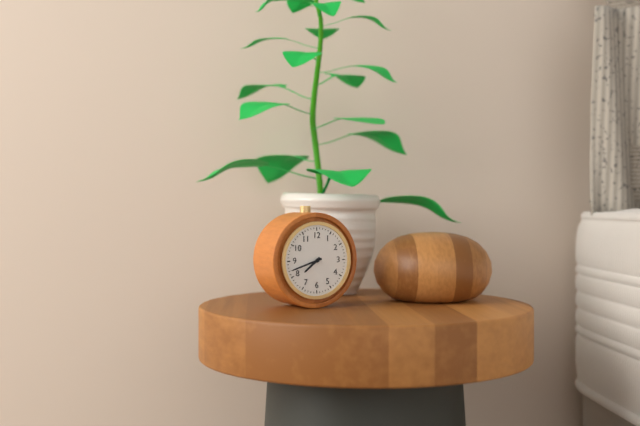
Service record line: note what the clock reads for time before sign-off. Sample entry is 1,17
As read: 7,42
